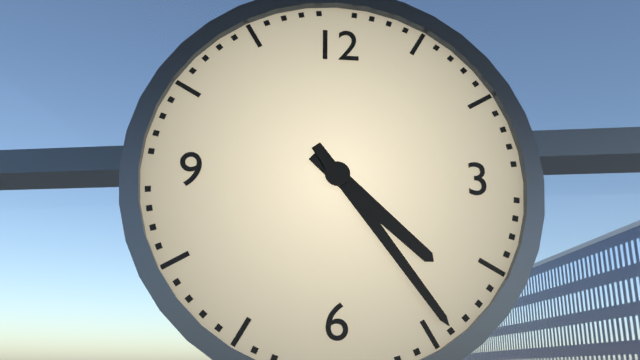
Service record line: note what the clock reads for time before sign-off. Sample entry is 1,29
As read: 4,24
